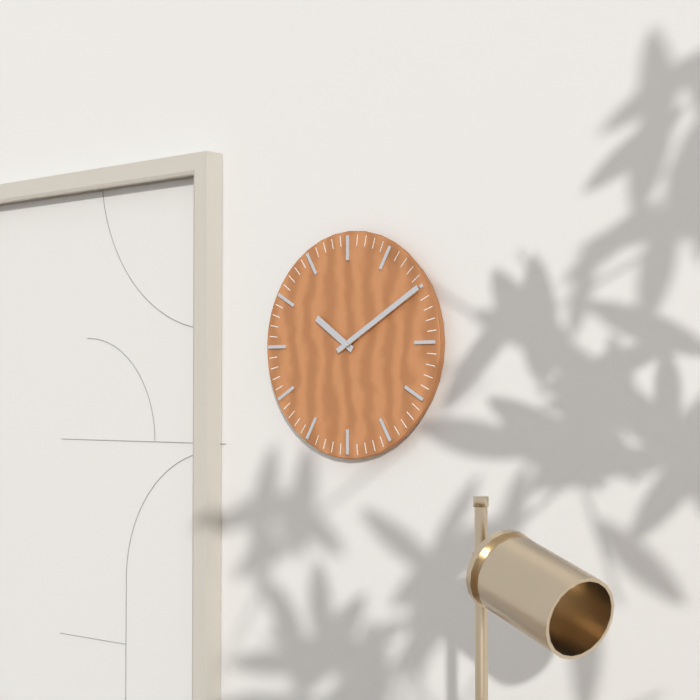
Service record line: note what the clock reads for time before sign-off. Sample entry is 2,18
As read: 10,10
